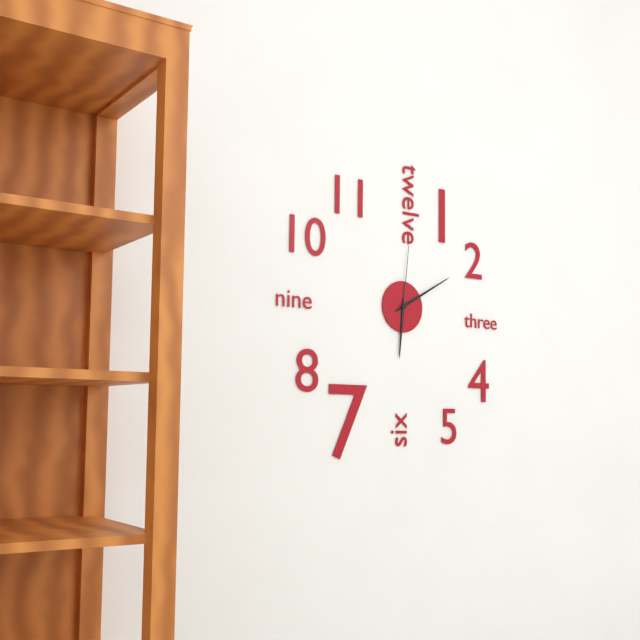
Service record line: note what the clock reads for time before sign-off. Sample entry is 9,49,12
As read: 6,10,01
